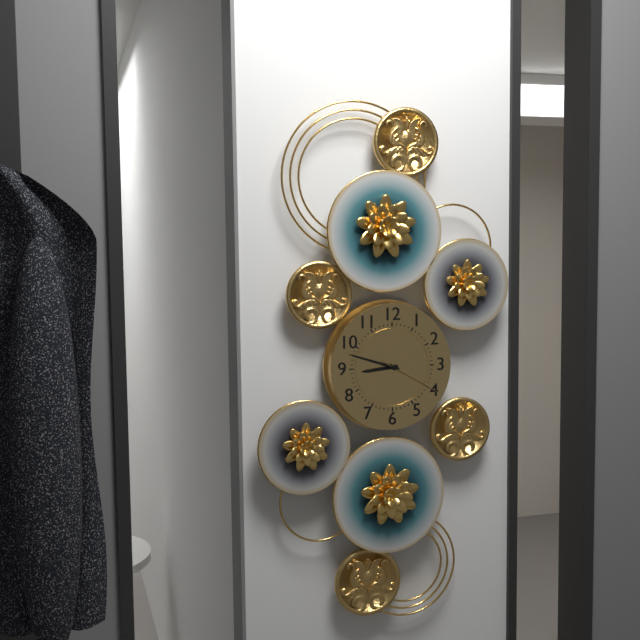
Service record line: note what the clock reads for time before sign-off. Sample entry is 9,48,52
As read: 8,48,20
